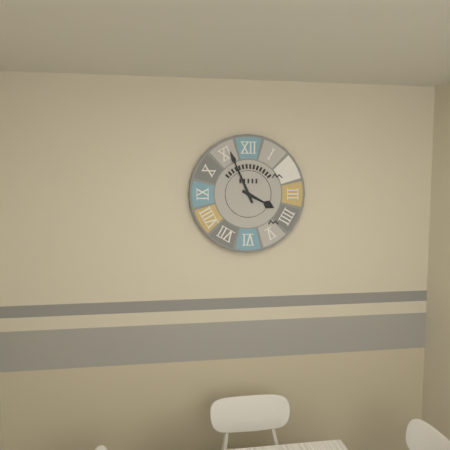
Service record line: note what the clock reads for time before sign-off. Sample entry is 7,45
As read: 3,56
